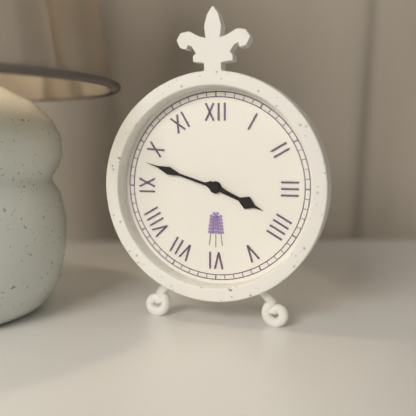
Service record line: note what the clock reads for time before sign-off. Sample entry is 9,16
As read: 3,48
